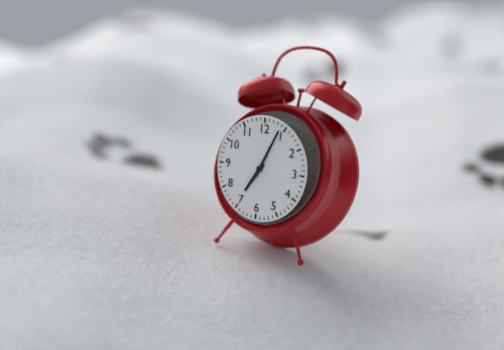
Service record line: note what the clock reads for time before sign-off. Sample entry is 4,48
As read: 7,04
